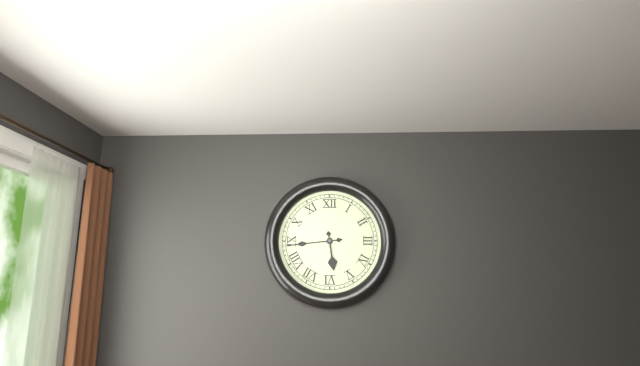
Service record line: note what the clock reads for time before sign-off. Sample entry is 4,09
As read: 5,44
